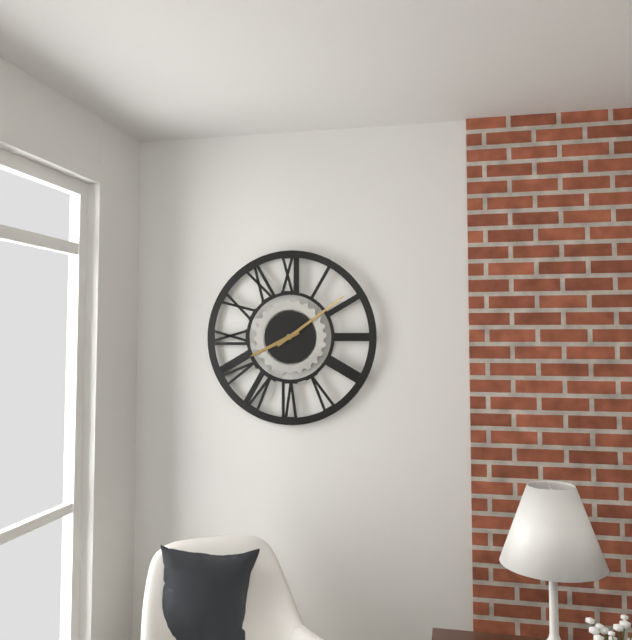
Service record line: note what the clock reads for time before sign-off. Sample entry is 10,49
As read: 8,09
